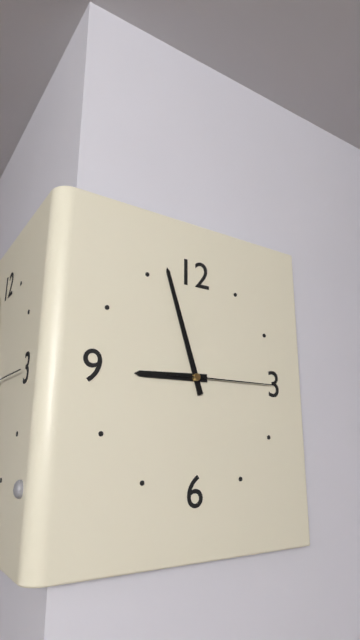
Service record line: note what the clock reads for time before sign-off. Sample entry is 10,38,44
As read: 8,57,15
